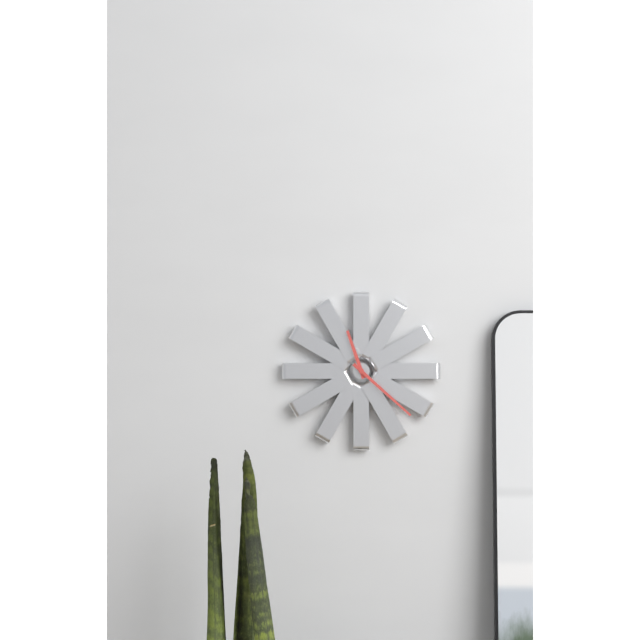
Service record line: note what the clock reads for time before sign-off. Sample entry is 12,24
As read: 11,22
